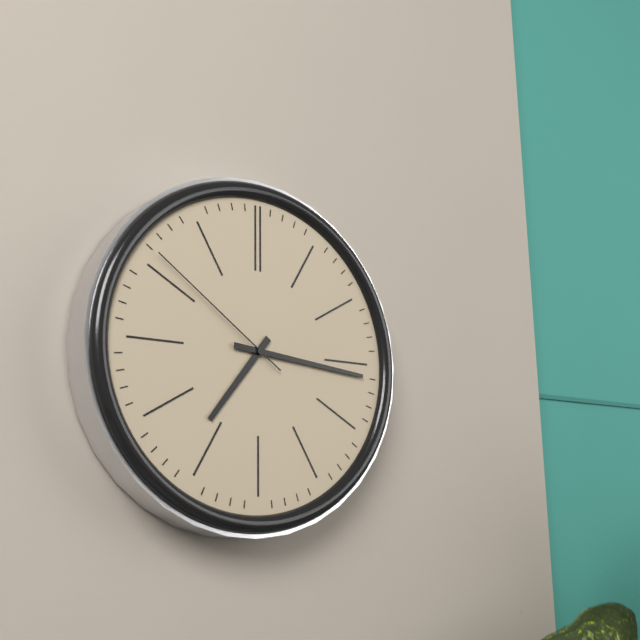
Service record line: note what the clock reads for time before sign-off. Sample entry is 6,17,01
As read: 7,16,51
